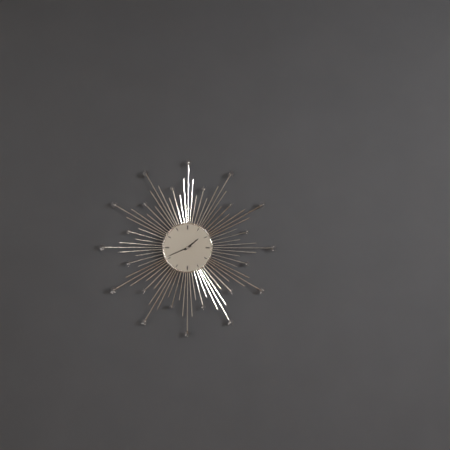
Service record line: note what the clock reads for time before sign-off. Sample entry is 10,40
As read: 1,41
